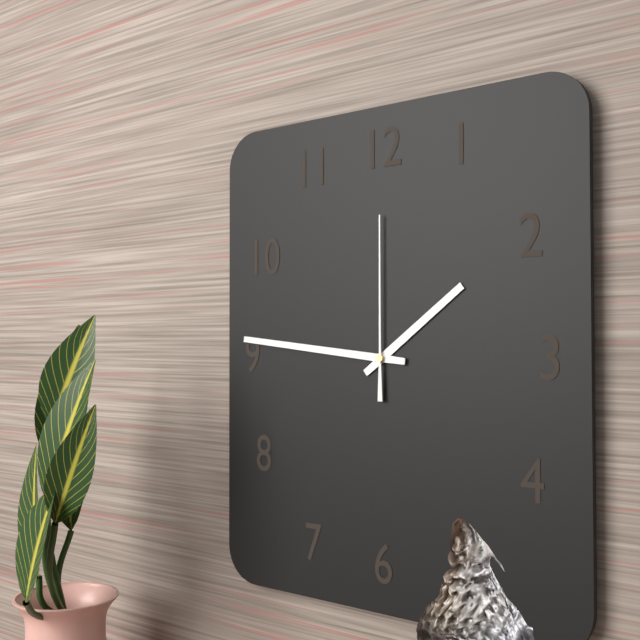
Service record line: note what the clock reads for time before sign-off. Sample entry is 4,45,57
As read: 1,46,00
